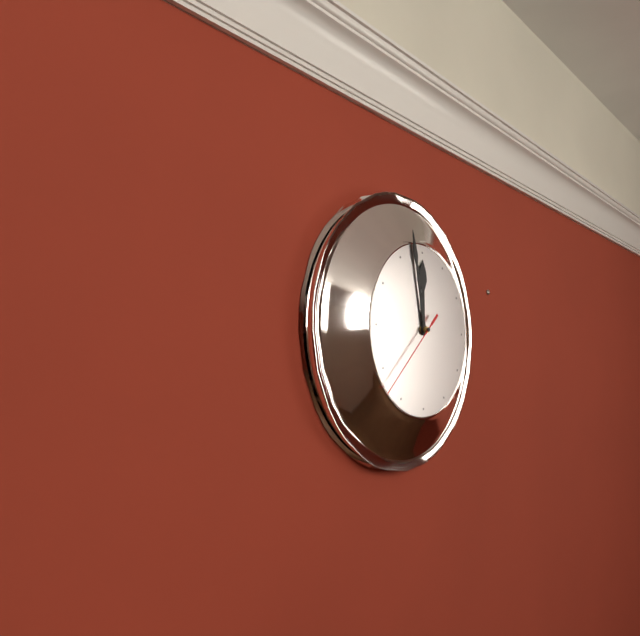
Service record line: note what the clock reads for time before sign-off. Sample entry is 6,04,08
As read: 11,58,38
